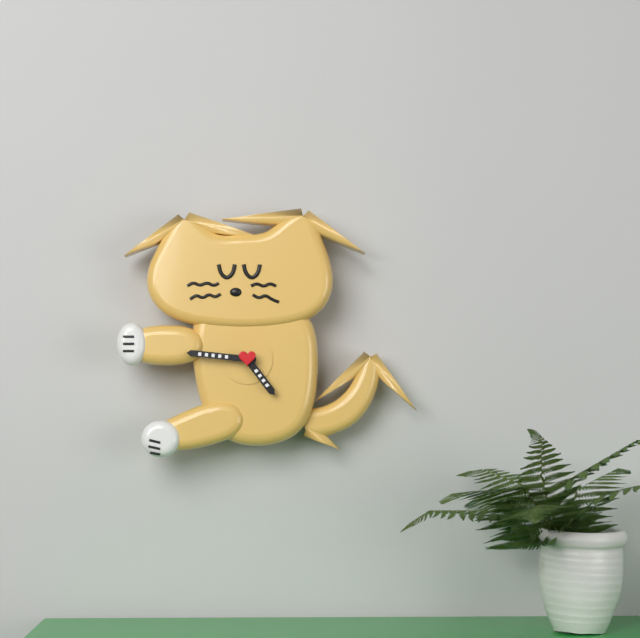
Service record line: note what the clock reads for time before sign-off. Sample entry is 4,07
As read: 4,46
